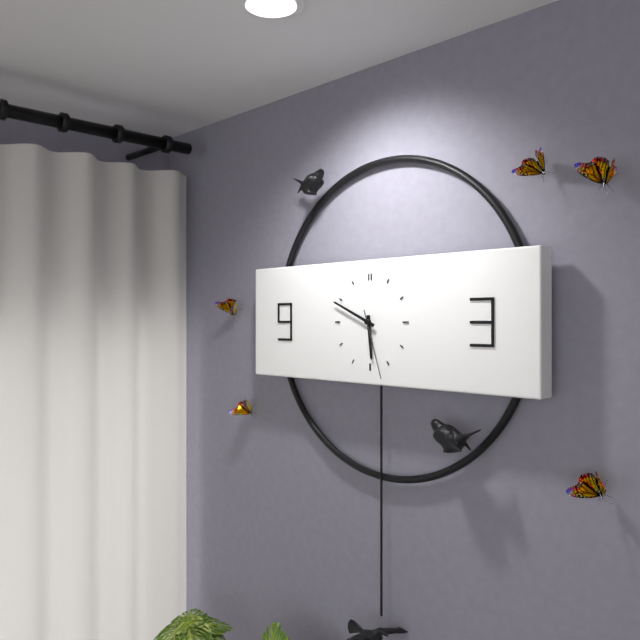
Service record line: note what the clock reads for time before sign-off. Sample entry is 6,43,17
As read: 5,49,27
